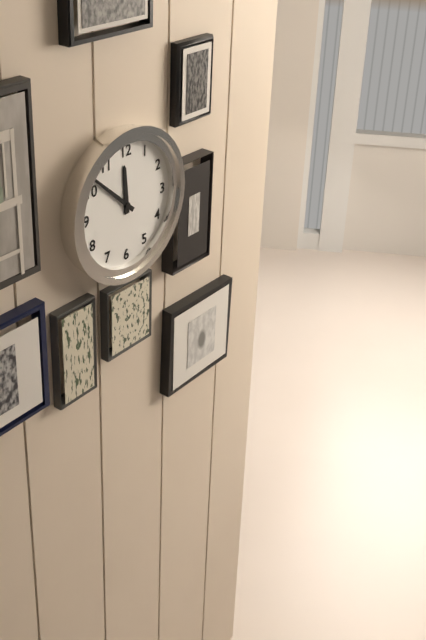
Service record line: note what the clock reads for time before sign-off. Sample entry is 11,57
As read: 11,52
